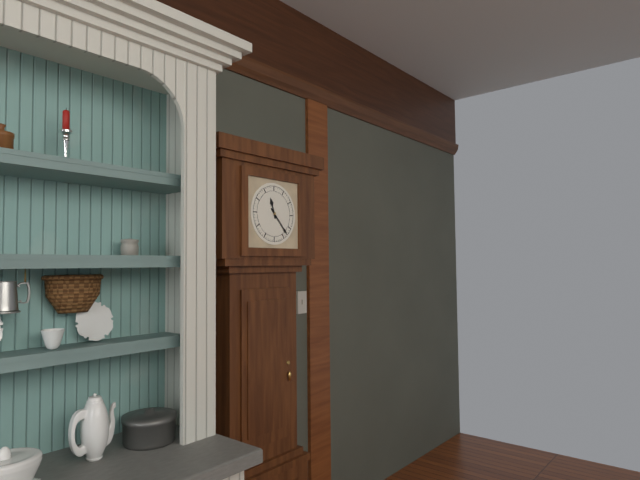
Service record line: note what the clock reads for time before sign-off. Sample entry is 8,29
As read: 11,23
